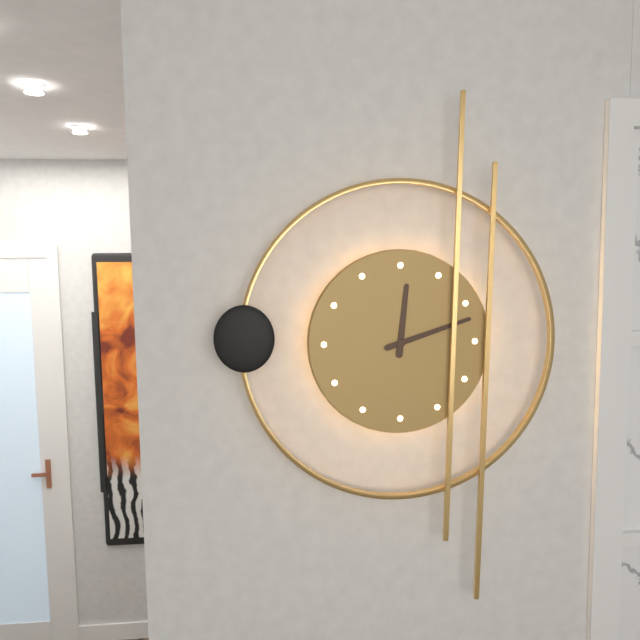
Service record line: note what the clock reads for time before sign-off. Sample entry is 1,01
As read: 12,12
